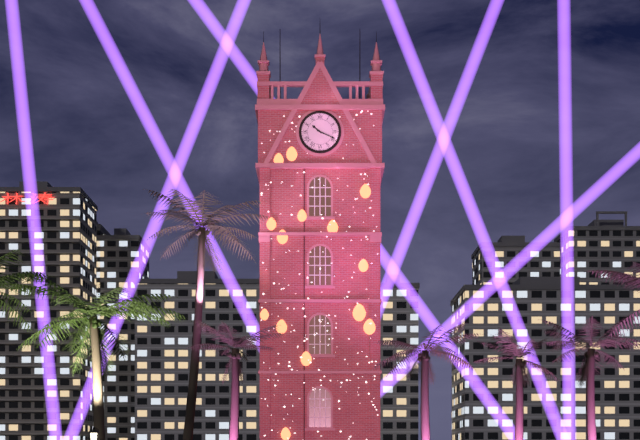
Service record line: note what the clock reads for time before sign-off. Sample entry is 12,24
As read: 10,19
